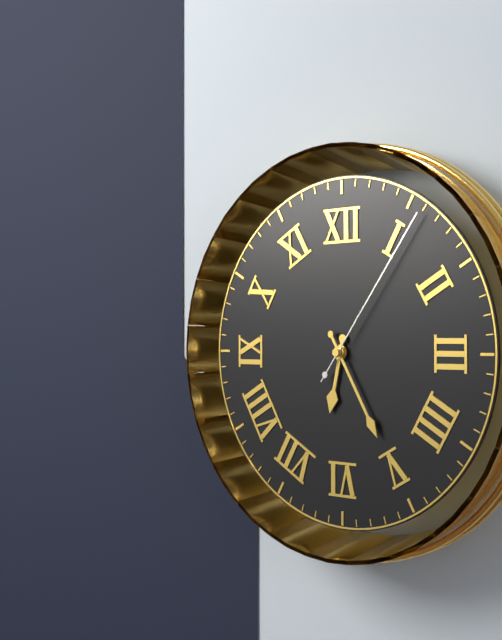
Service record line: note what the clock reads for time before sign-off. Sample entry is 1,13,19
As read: 6,25,06
